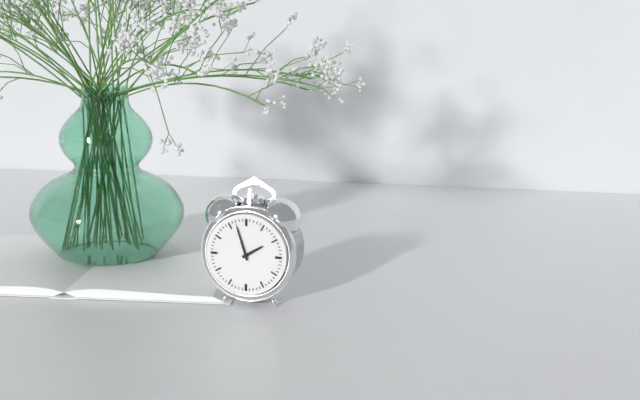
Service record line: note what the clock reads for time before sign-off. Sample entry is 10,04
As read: 1,57
